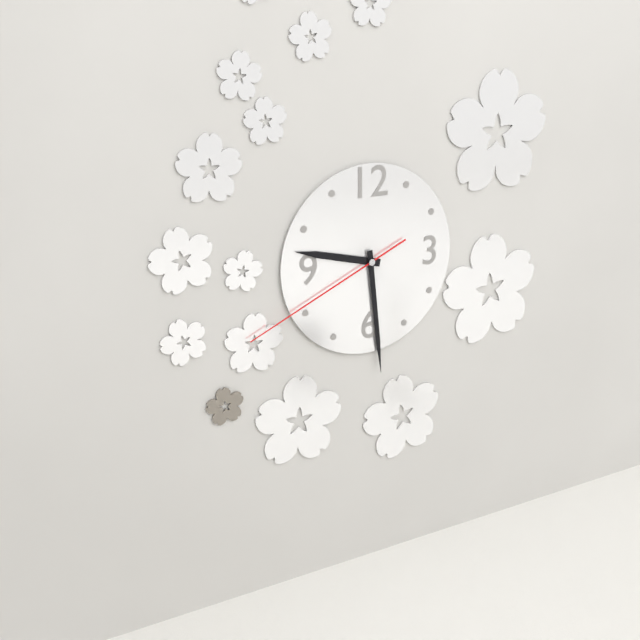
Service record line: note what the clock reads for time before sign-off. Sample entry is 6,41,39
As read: 9,29,41
